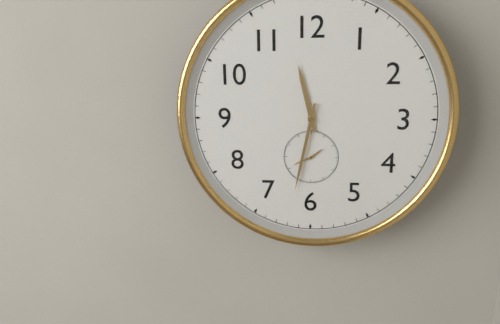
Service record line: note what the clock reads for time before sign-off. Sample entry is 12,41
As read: 11,32
